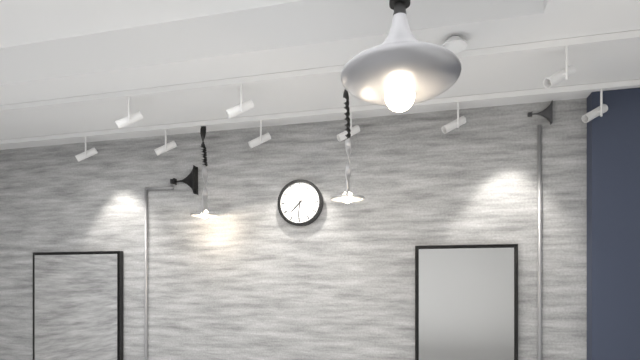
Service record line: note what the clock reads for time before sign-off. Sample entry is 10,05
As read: 7,31
